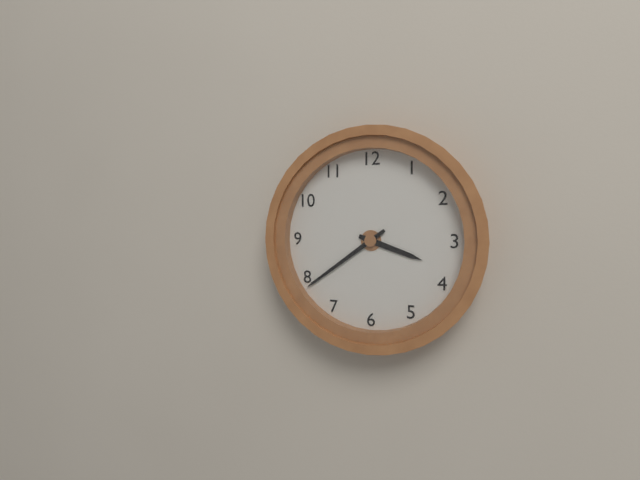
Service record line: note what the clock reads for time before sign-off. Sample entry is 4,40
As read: 3,39
